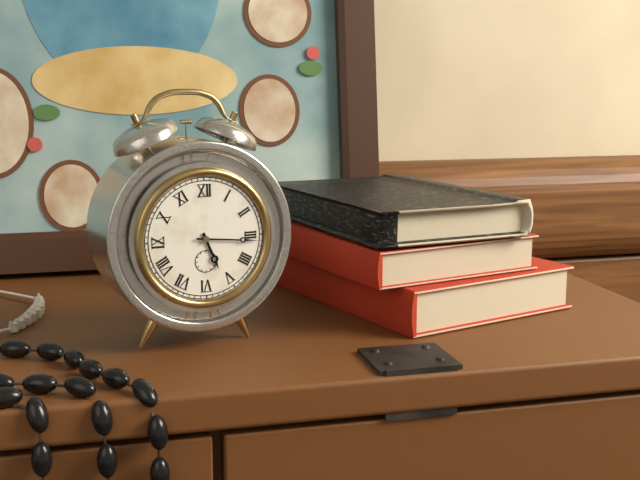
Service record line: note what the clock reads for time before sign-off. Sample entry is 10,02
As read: 5,16
